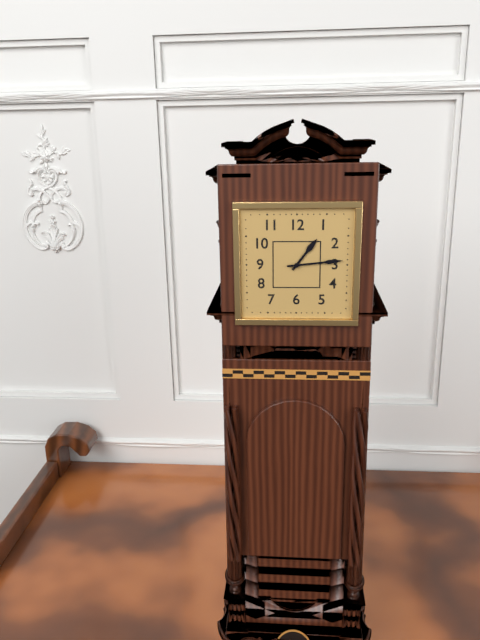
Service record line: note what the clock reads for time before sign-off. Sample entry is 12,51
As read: 1,14
